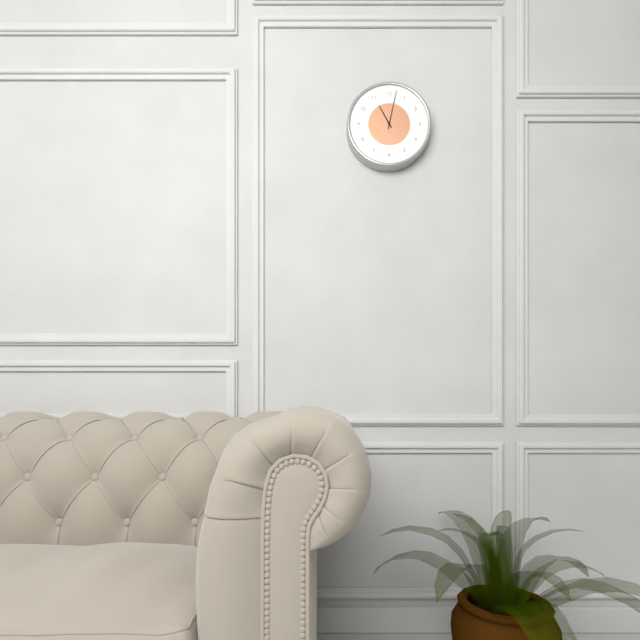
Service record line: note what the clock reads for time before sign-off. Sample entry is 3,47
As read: 11,02
